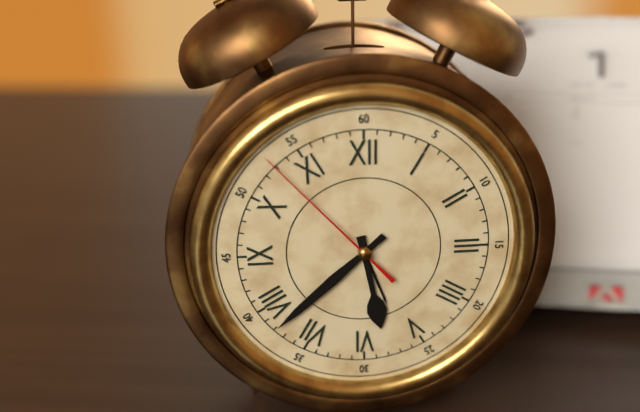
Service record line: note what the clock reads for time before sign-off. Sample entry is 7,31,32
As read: 5,38,53
